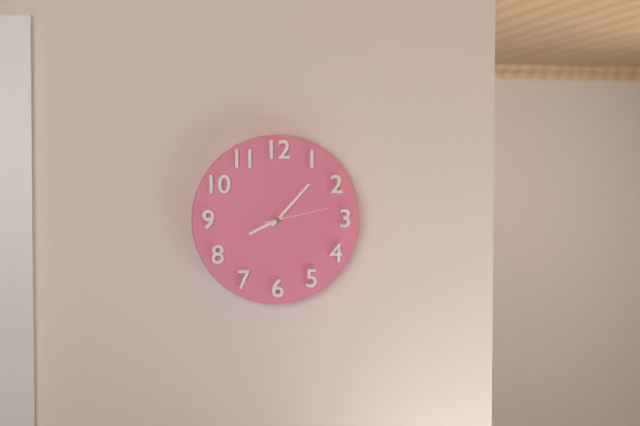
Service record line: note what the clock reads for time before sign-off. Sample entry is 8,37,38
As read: 8,07,13
